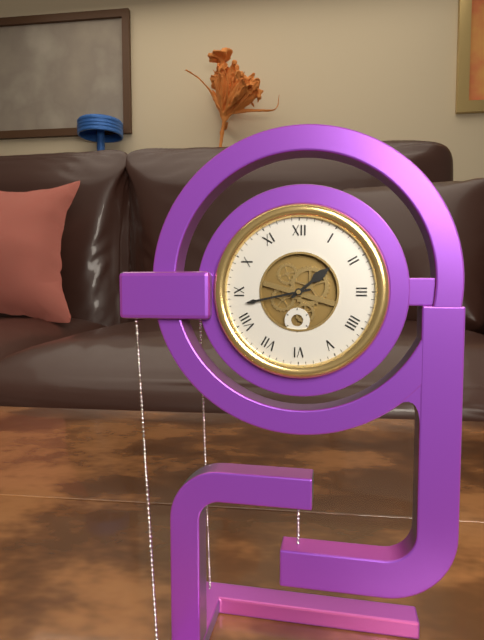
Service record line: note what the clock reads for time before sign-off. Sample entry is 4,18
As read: 1,43
